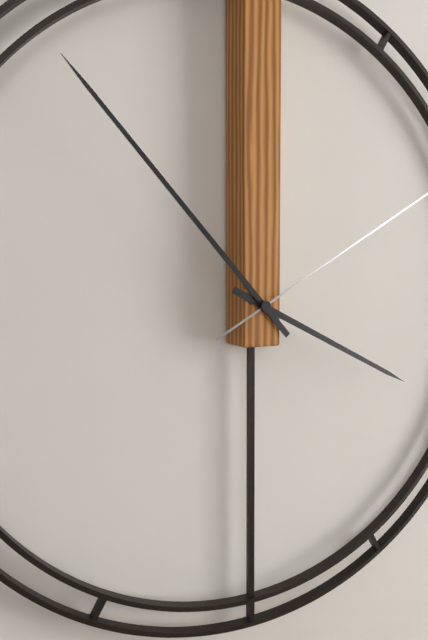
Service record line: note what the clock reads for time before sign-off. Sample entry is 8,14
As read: 3,53
